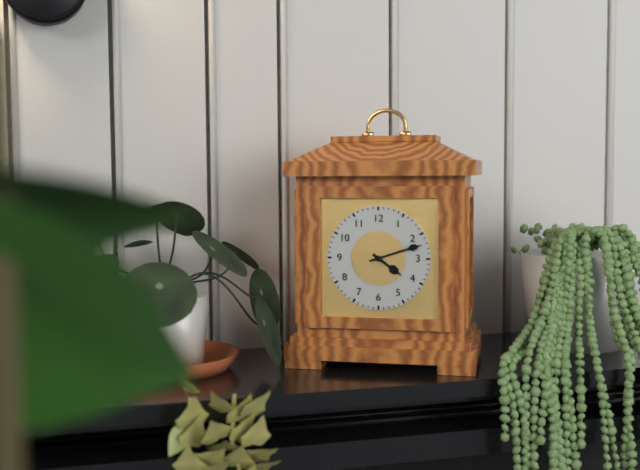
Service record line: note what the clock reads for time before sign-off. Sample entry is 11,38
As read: 4,12
